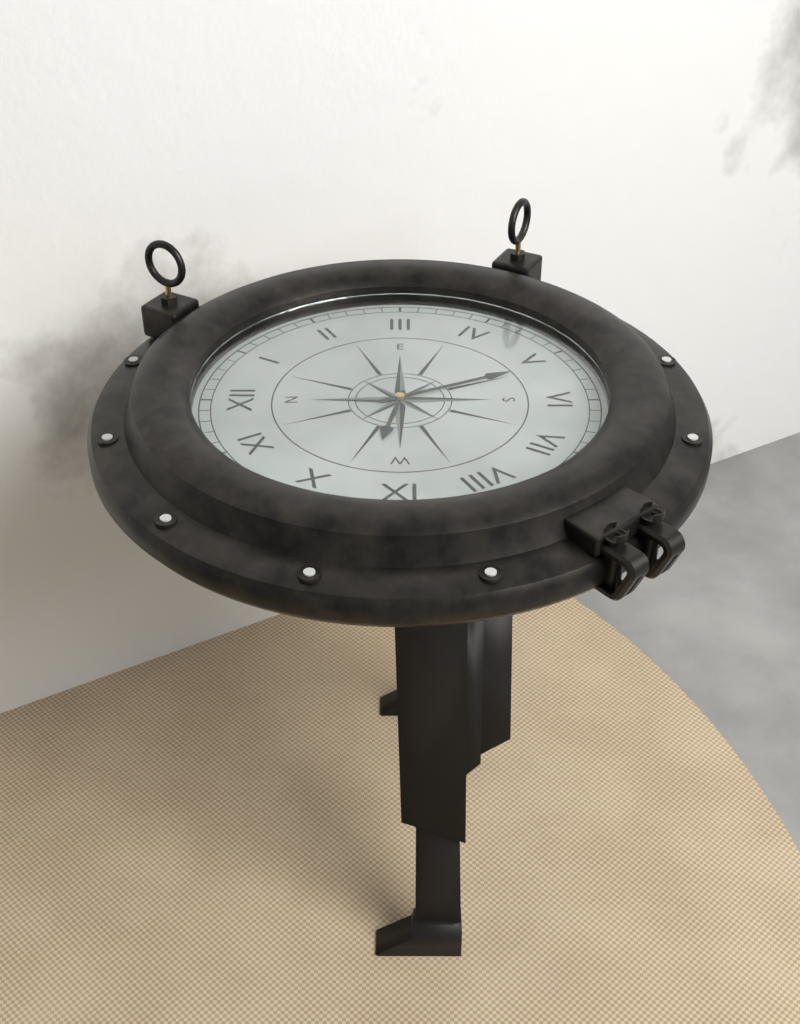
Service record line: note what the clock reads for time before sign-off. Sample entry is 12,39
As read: 9,26
